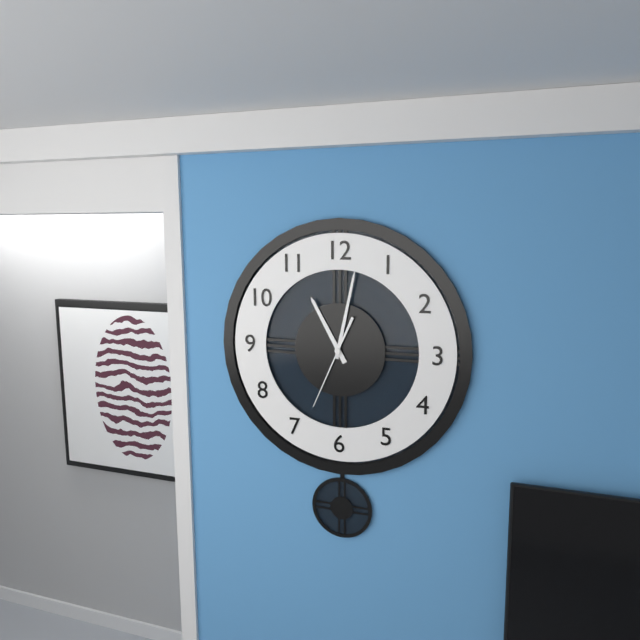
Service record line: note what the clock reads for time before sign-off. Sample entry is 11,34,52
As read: 11,02,34
